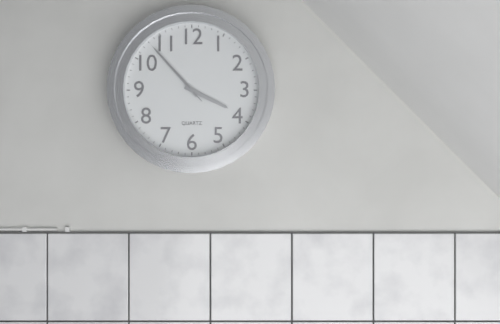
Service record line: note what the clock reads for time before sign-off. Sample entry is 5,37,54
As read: 3,53,53
